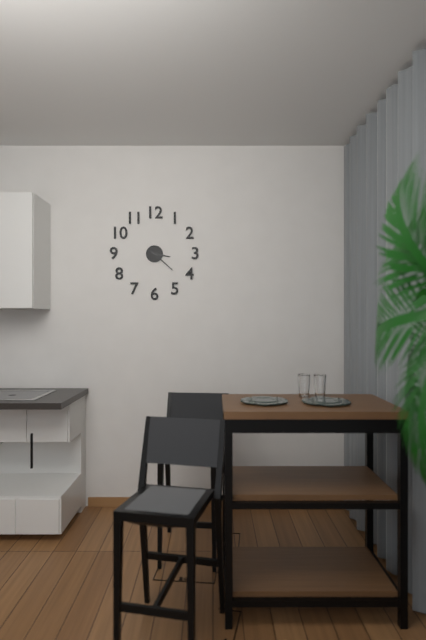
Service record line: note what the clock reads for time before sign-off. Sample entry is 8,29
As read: 3,22
